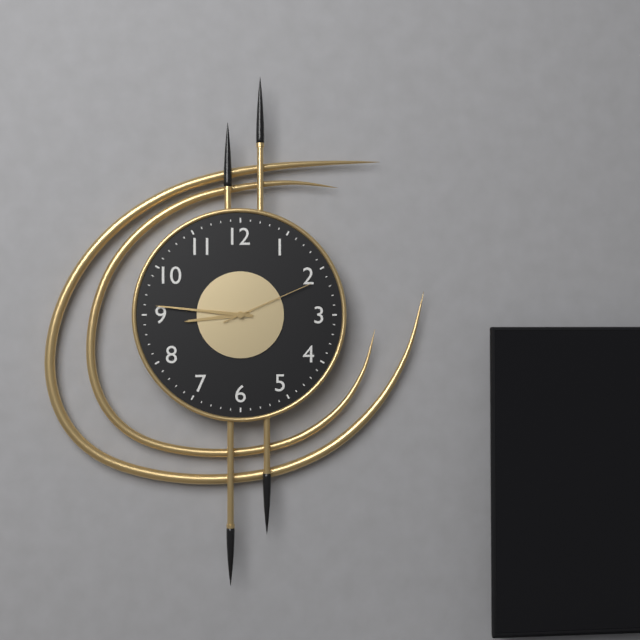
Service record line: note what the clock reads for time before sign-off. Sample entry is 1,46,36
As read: 8,46,11
